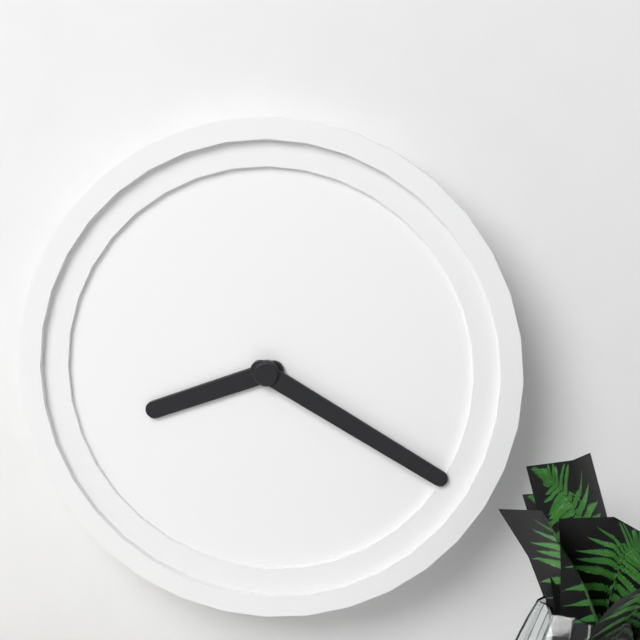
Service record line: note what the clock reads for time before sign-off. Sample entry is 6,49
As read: 8,20
